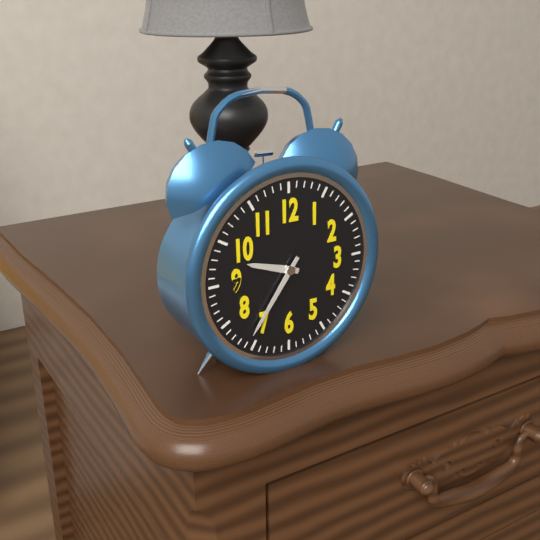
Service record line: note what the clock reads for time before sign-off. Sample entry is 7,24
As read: 9,36
